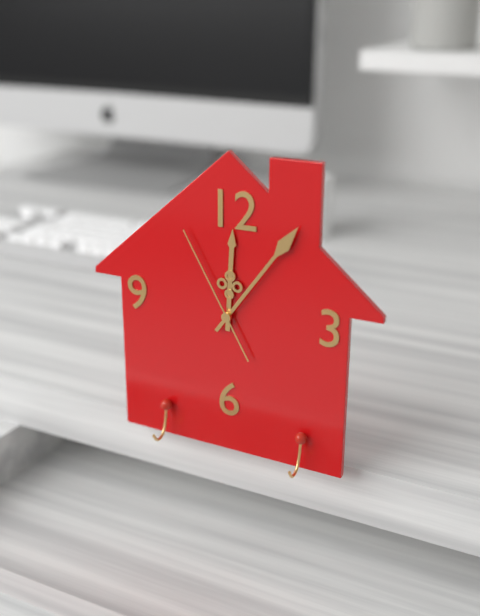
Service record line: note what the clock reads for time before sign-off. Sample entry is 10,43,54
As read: 12,06,55
